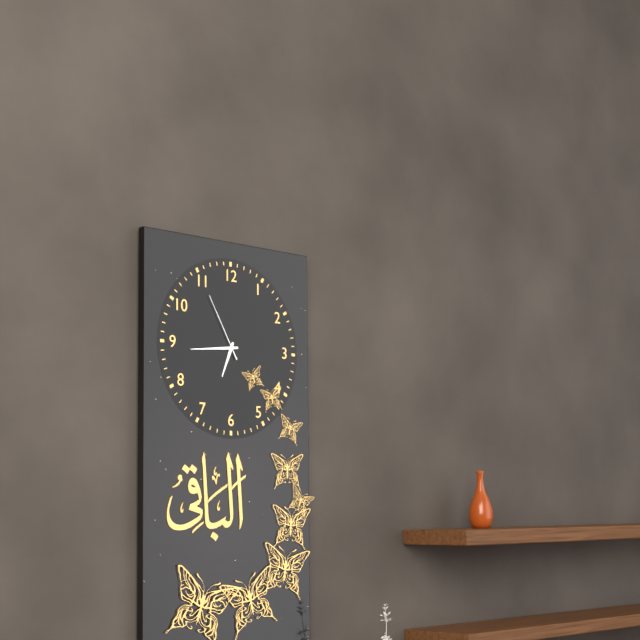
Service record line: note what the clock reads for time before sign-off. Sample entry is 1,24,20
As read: 6,44,55
